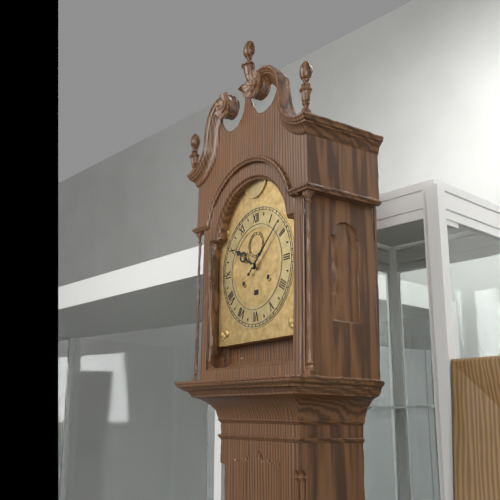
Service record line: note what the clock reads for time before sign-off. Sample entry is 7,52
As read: 10,08
